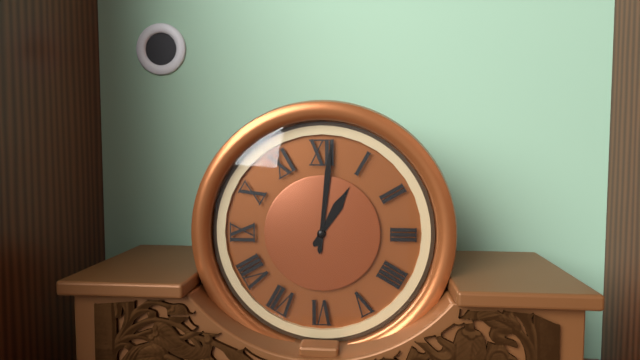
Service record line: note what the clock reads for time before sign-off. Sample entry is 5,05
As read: 1,01
